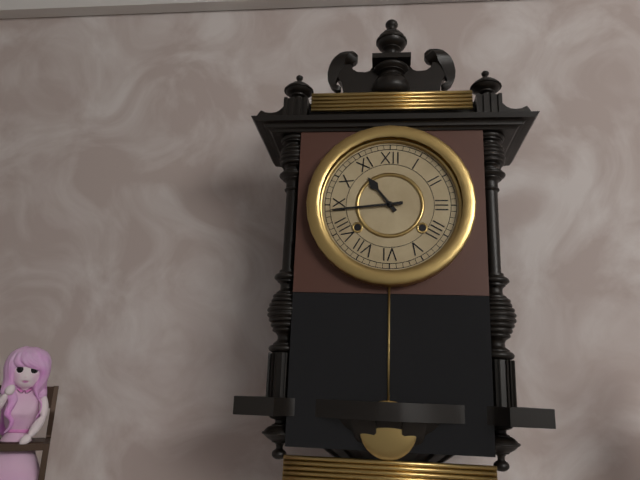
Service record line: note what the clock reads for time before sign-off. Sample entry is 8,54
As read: 10,44
